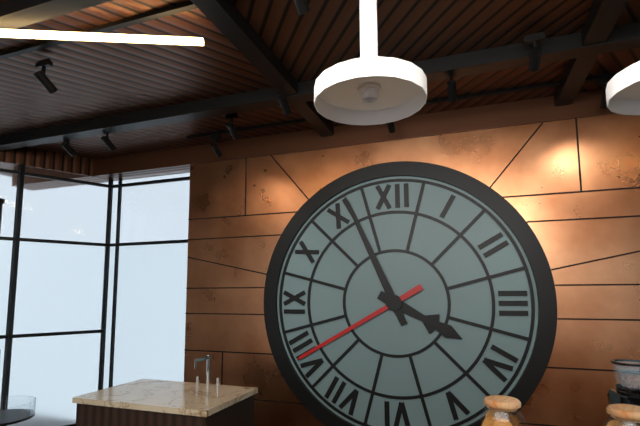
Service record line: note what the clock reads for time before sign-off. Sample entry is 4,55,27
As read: 3,56,40
